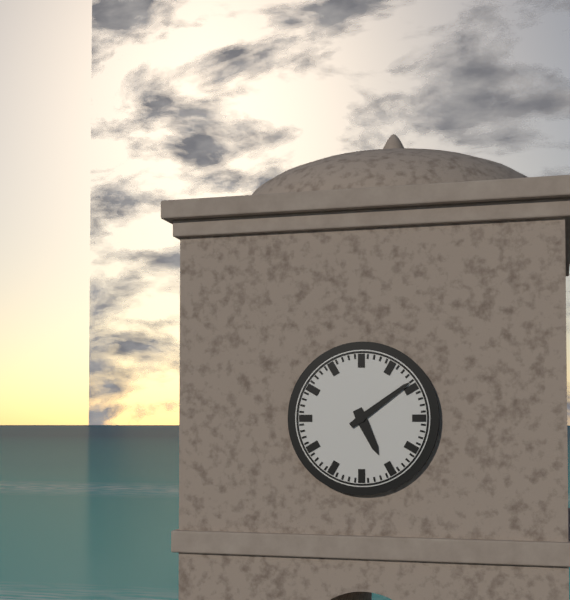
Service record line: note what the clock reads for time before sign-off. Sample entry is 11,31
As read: 5,09
